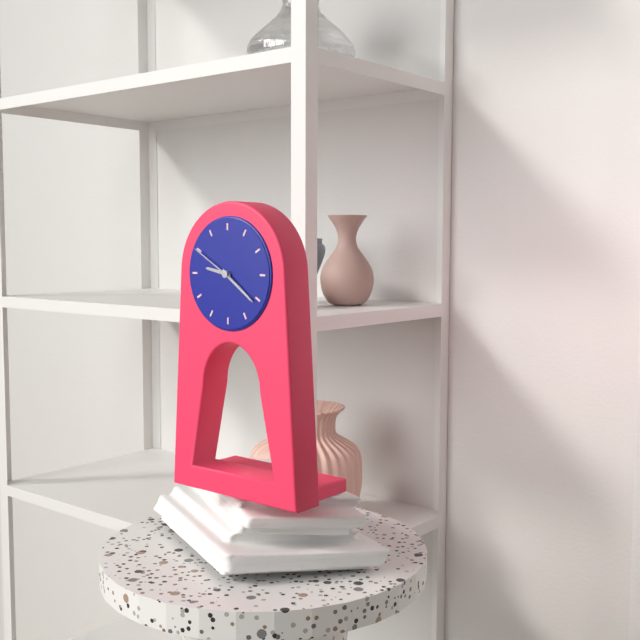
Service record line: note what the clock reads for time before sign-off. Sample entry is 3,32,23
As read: 9,21,50
